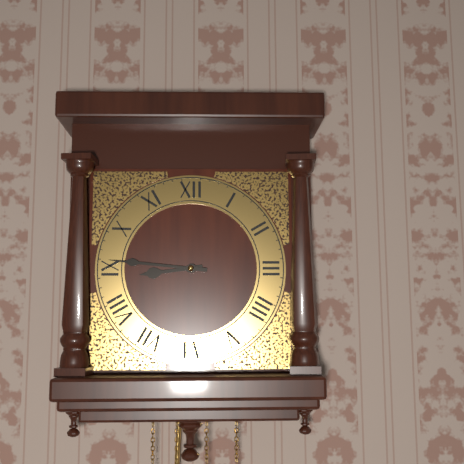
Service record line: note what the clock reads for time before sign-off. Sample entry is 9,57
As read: 8,46
